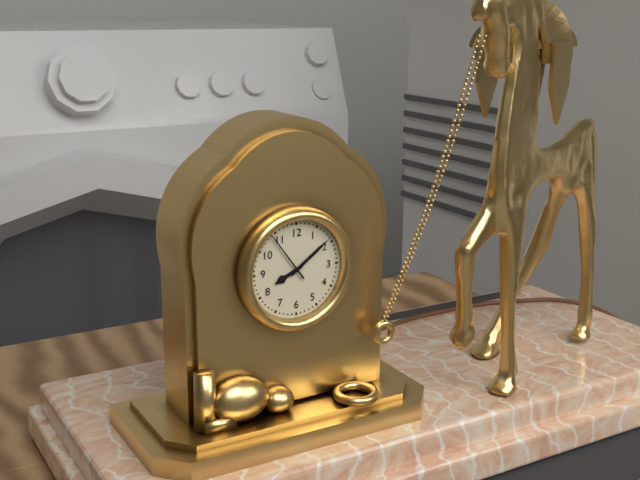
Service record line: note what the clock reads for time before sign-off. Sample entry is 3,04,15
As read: 8,09,54
